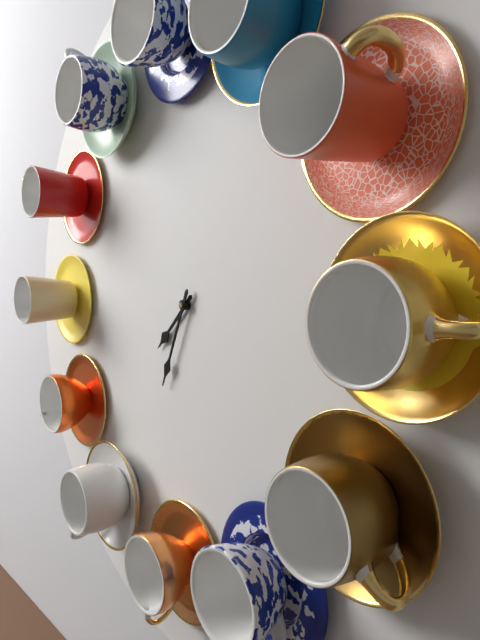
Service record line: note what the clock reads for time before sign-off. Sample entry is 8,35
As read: 7,34
